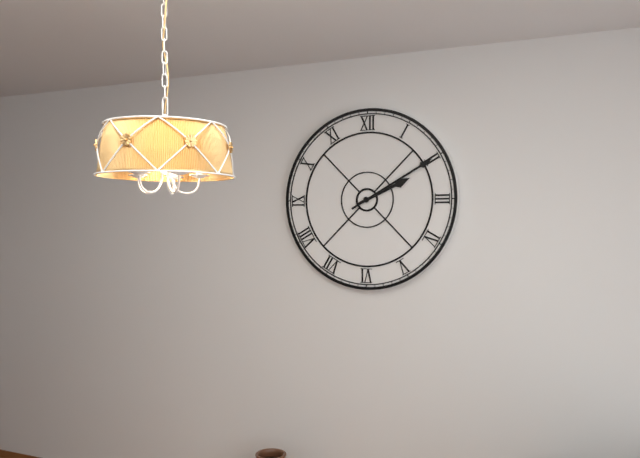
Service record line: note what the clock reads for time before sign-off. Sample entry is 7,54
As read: 2,10
